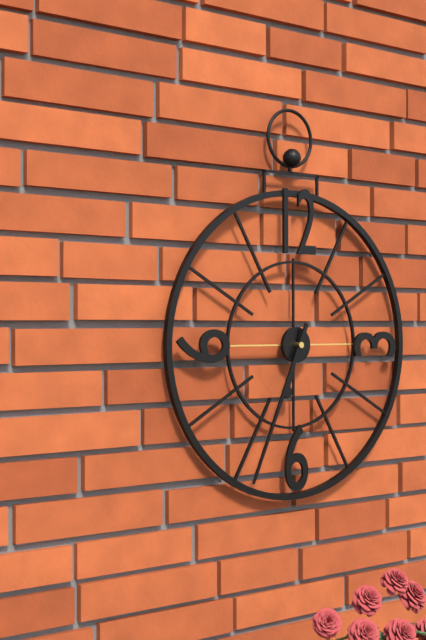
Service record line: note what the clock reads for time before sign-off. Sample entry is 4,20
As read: 6,34
